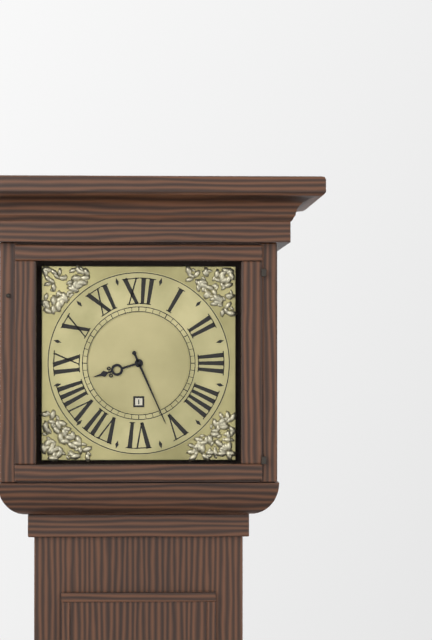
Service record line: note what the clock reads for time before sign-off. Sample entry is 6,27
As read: 8,26
